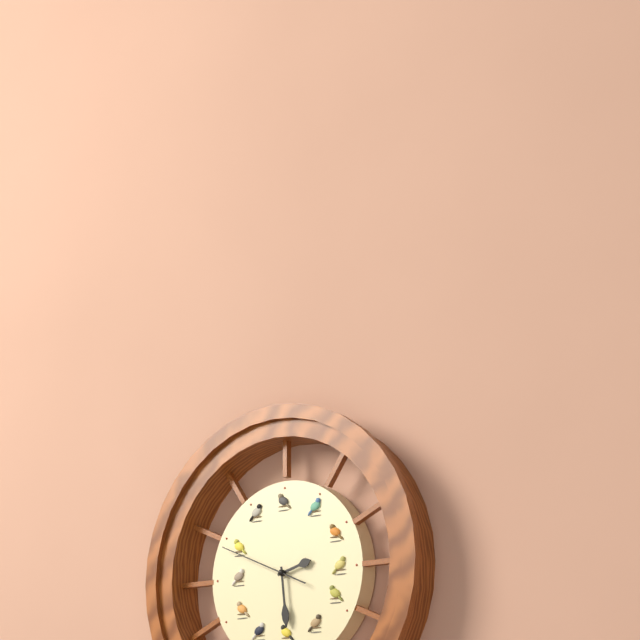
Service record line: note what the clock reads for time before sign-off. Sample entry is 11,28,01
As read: 2,29,49
